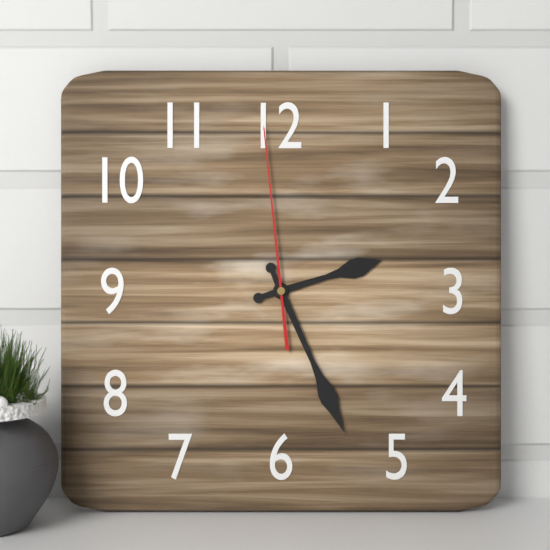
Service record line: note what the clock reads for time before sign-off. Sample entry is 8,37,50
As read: 2,26,59
